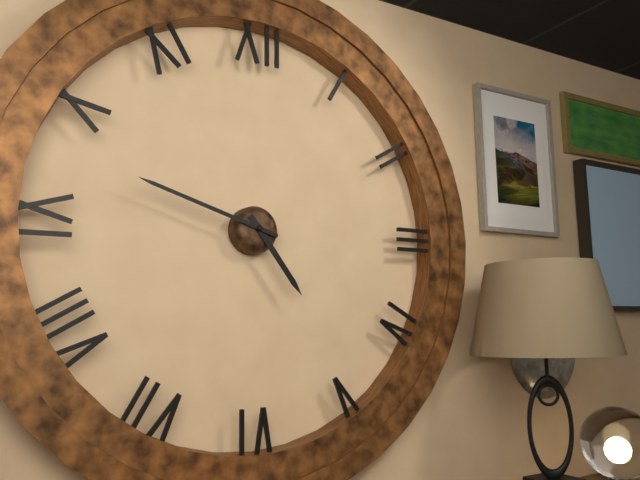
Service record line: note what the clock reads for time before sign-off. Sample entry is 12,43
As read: 4,48
